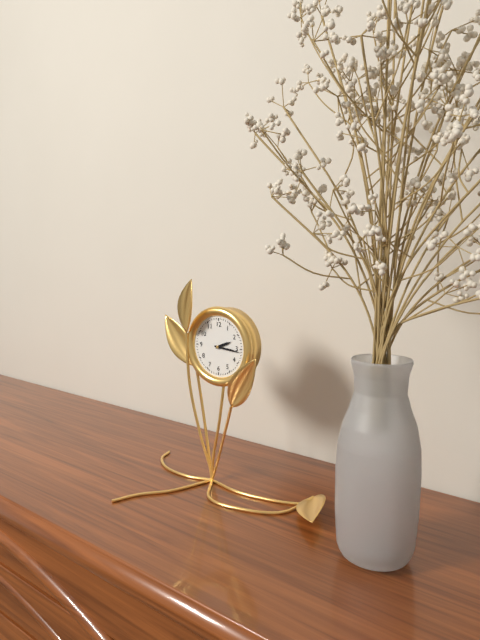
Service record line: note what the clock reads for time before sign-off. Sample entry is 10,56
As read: 2,16
